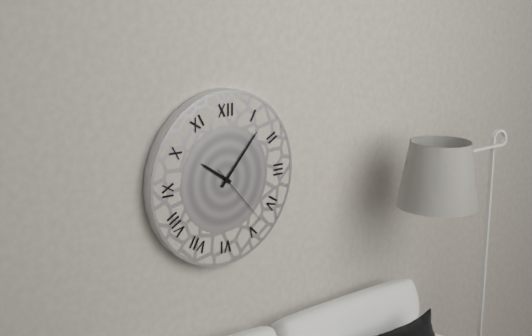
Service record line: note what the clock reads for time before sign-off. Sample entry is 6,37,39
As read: 10,07,23
